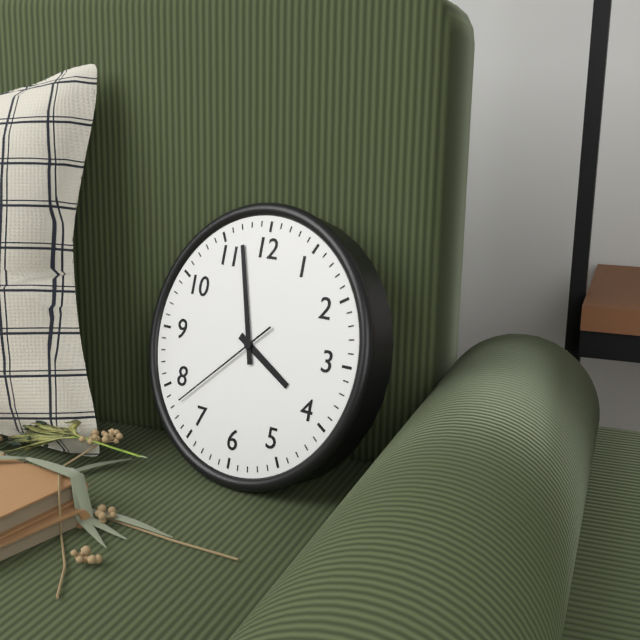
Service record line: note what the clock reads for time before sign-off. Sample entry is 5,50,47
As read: 3,57,38
